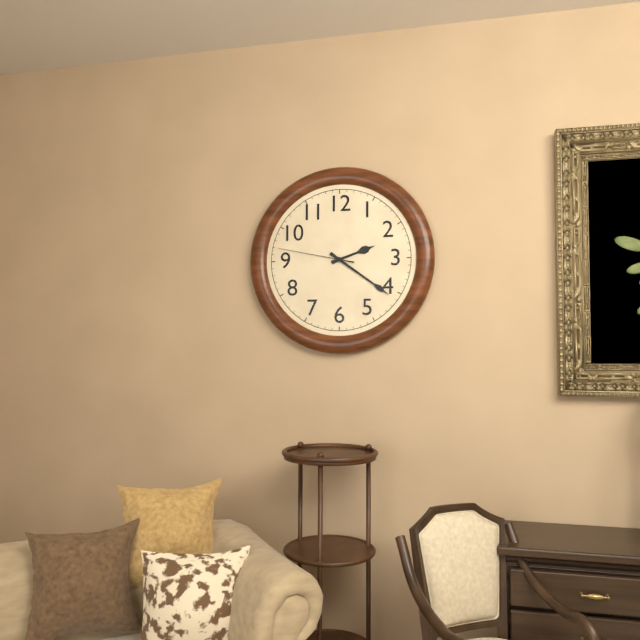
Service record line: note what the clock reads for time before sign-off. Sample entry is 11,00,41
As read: 2,21,47
